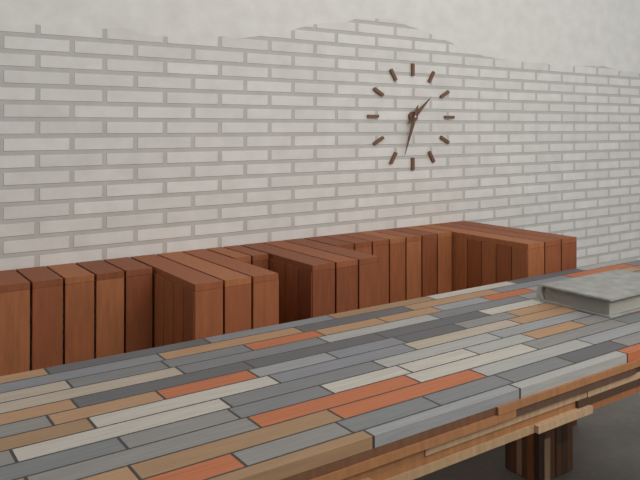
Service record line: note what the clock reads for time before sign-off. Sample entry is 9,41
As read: 1,33
